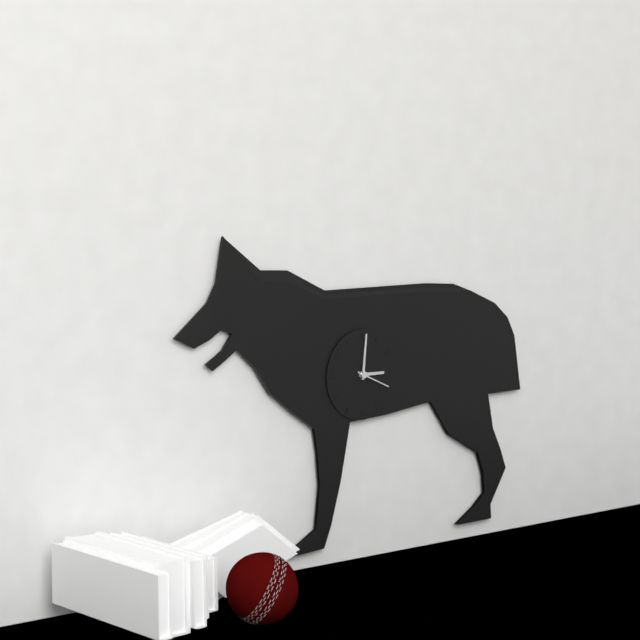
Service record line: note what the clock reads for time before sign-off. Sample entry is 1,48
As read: 3,01
